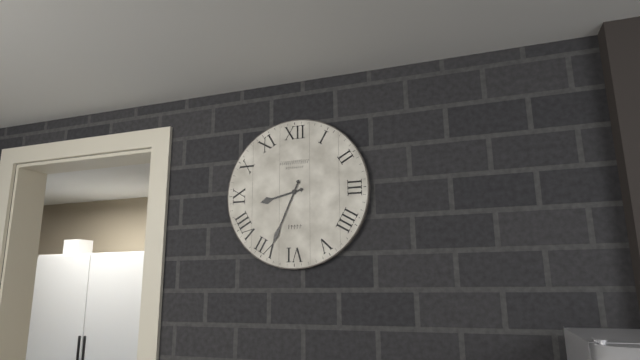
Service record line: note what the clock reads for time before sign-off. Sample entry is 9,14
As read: 8,34
